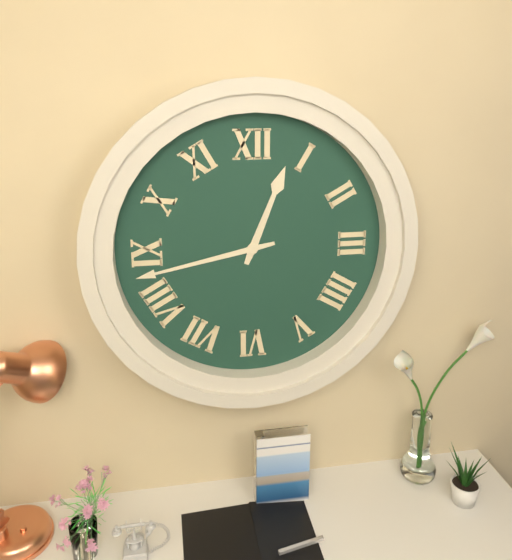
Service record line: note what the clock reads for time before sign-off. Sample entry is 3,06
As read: 12,43
